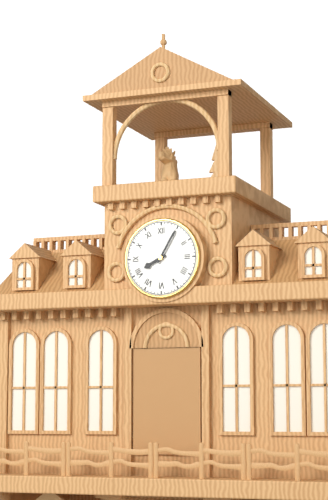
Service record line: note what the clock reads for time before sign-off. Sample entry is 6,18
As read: 8,05
